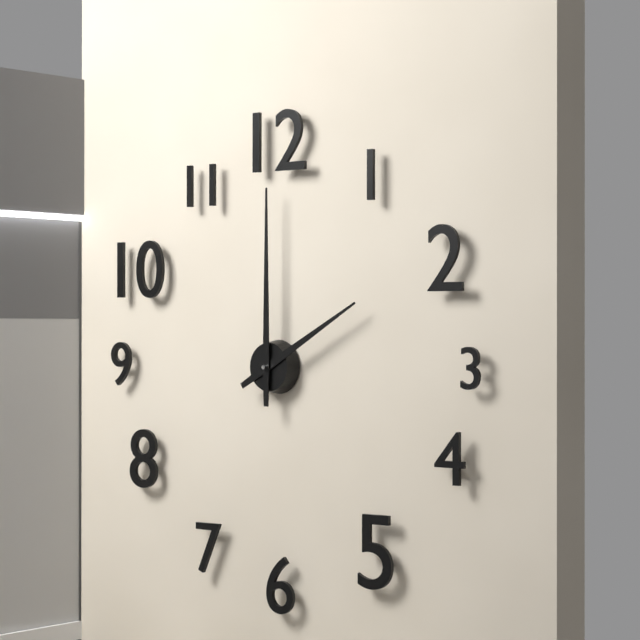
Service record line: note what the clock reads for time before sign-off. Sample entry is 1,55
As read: 2,00
